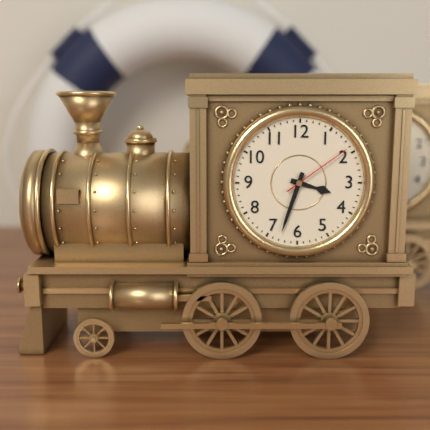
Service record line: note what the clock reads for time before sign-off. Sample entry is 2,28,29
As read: 3,33,09
